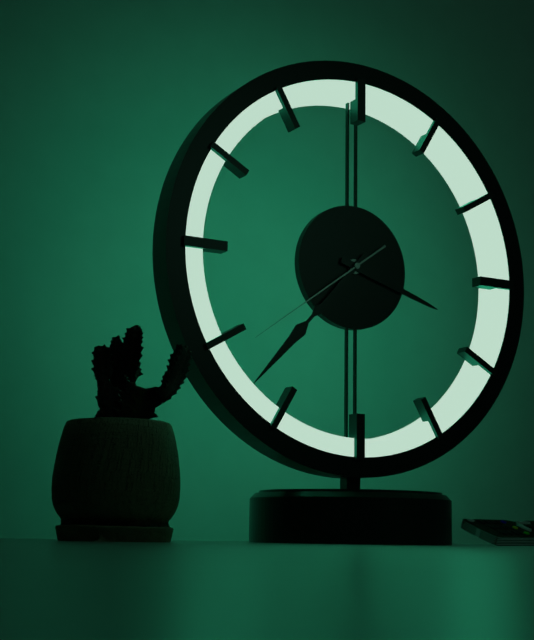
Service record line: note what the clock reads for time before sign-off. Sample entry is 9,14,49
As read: 3,37,39
